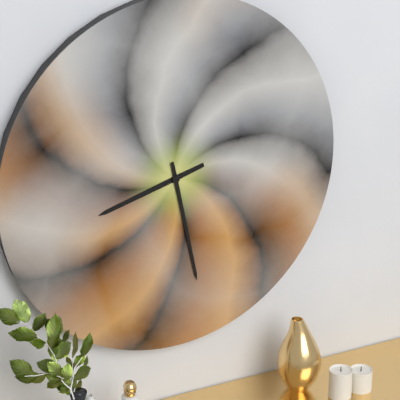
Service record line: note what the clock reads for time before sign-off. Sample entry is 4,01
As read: 8,28
